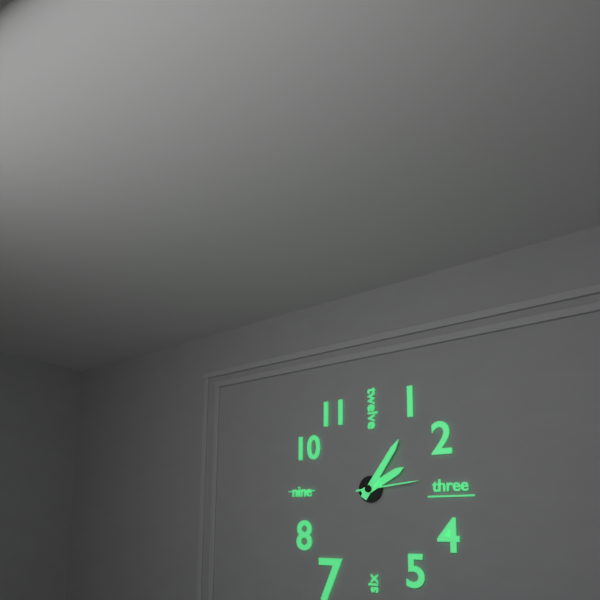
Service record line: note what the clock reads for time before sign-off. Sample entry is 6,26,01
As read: 2,06,14
